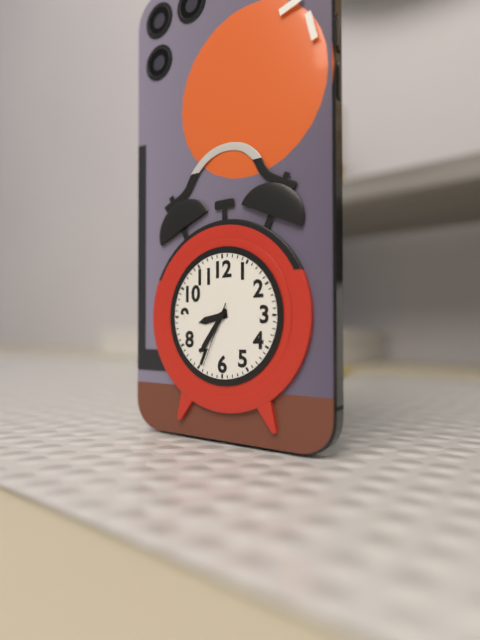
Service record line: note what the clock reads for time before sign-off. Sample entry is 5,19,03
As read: 8,36,34
